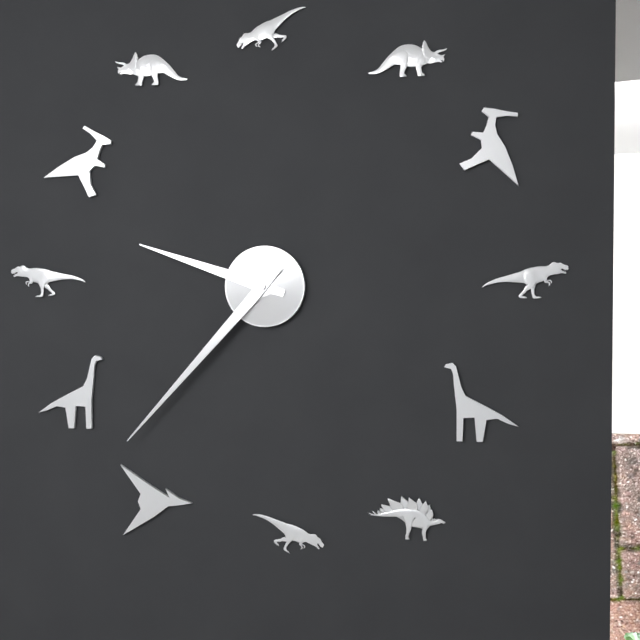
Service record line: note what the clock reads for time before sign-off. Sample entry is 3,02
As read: 9,37
